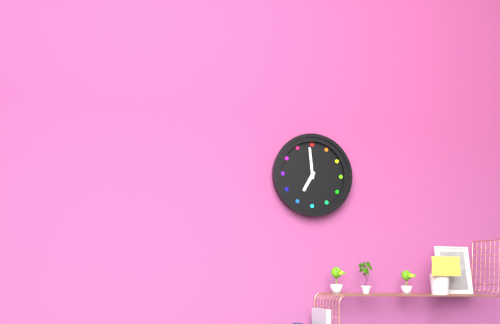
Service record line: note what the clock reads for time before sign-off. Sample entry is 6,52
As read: 6,59
